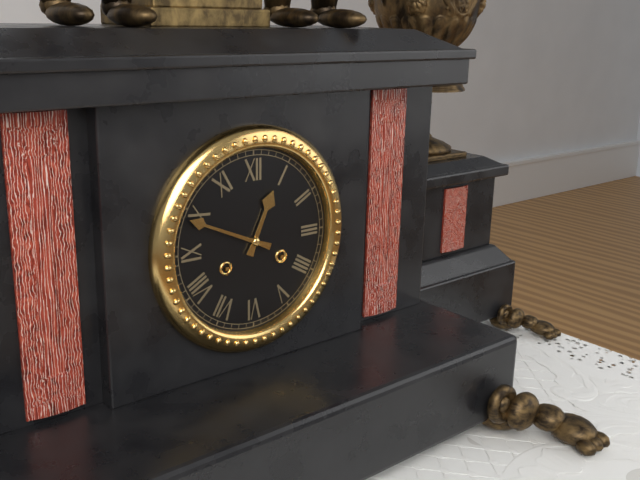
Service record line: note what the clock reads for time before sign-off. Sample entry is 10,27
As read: 12,49
